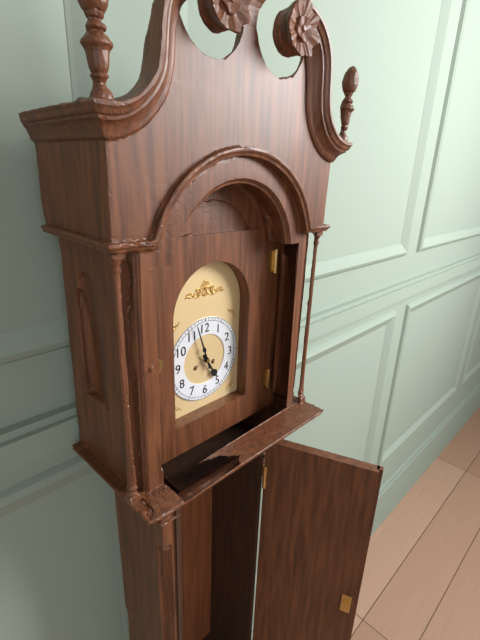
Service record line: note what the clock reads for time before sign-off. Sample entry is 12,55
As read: 4,57
